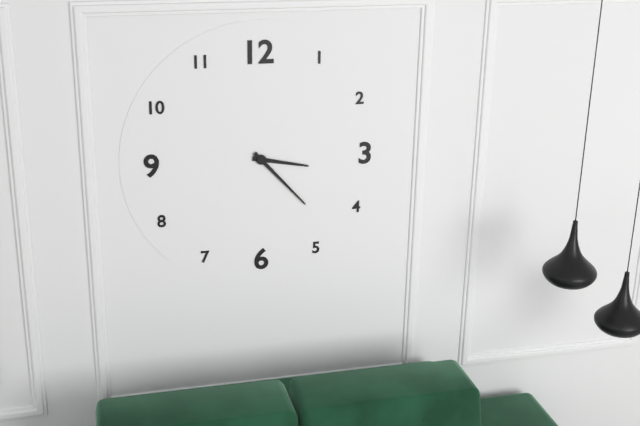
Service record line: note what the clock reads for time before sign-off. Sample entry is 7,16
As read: 3,23
